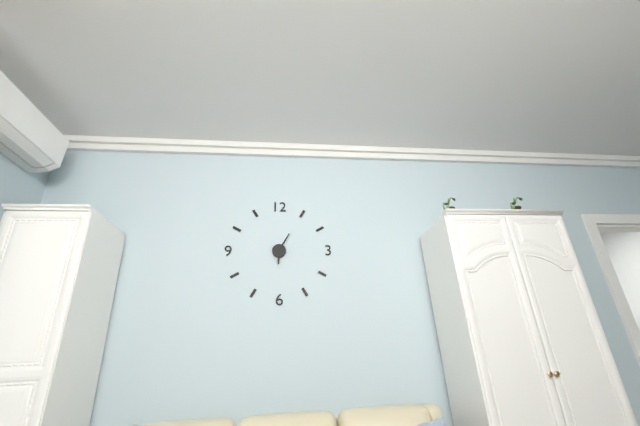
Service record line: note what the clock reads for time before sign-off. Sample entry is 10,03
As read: 6,05
